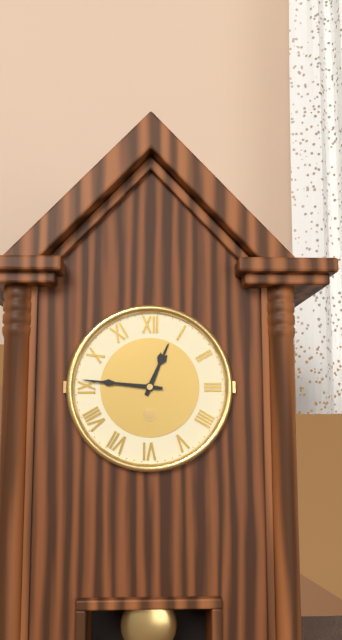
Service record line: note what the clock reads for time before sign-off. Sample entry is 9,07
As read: 12,46
